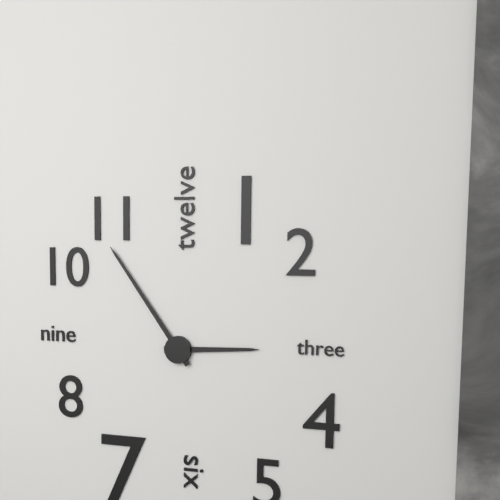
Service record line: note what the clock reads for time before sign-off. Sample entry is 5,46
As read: 2,54
